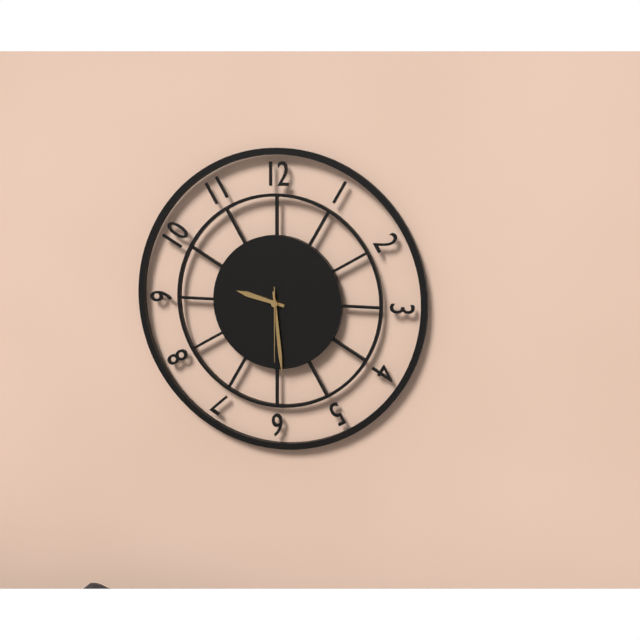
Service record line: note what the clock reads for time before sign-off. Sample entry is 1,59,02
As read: 9,29,30
